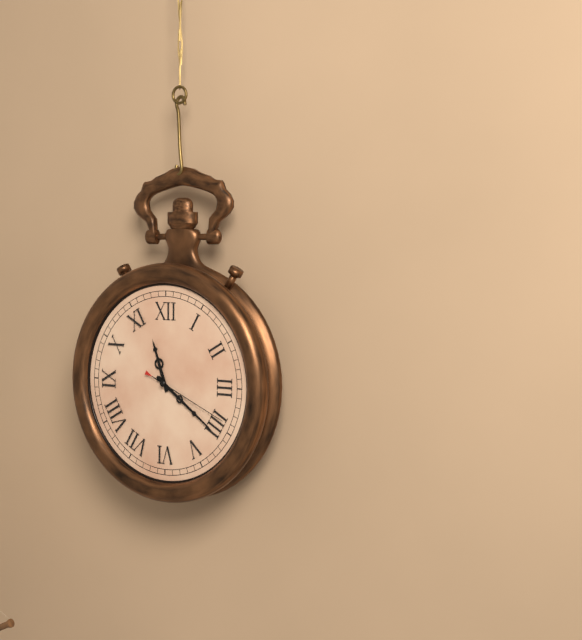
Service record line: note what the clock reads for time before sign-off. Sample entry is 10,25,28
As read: 11,21,19
